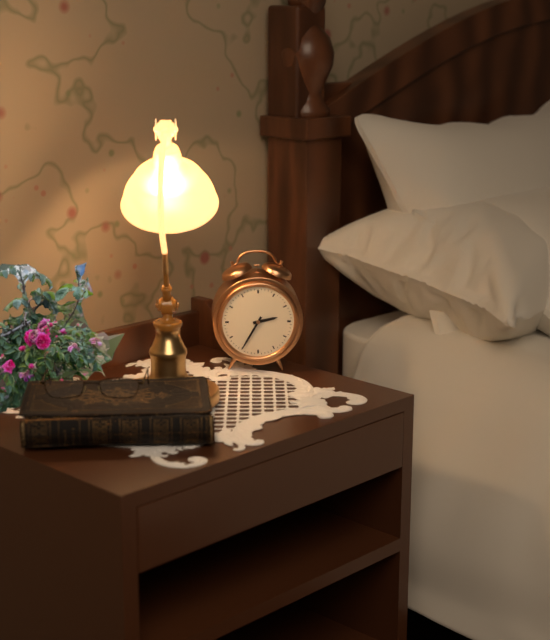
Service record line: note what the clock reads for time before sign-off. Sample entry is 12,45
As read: 2,35
